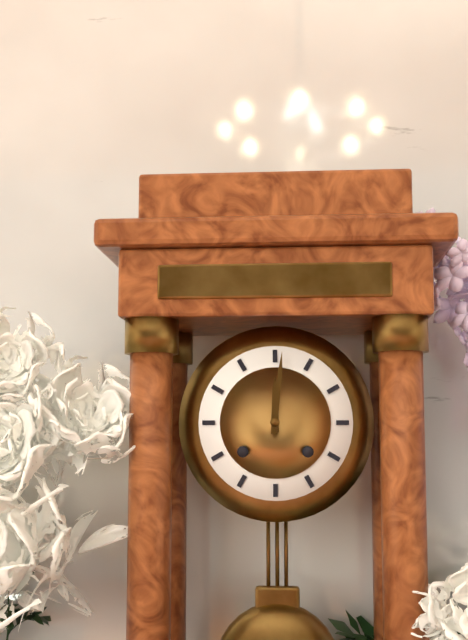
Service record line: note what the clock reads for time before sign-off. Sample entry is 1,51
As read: 12,01
